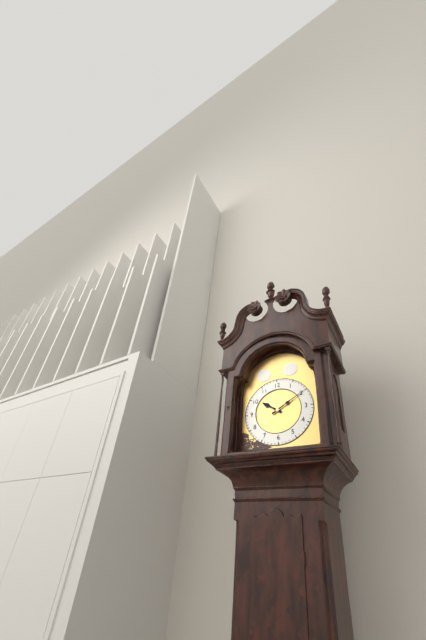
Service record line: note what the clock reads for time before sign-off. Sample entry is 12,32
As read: 10,10
